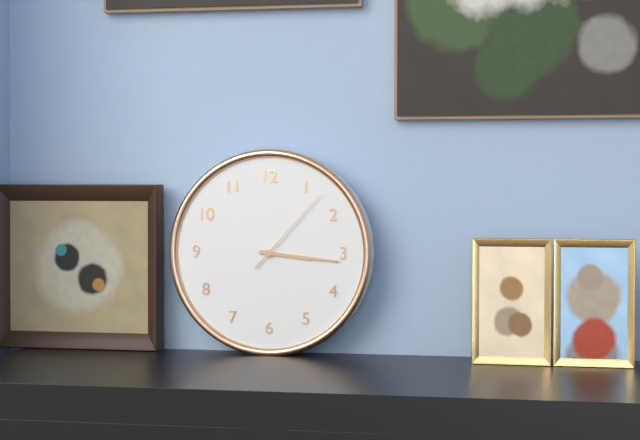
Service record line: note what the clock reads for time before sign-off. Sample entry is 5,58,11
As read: 3,16,07
